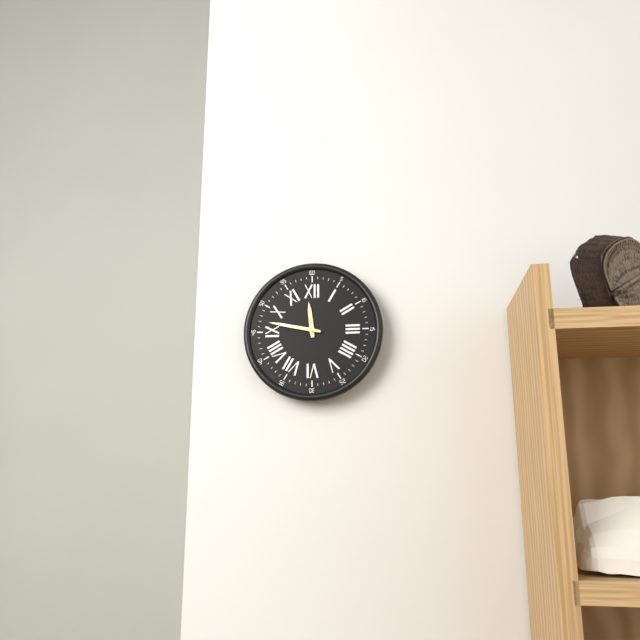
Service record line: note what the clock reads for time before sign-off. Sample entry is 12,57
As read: 11,47
